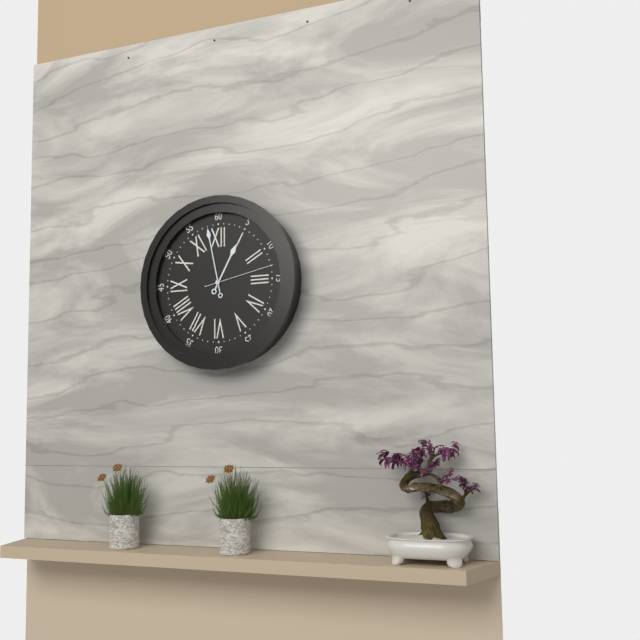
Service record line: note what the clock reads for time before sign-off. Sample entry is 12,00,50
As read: 12,58,13
